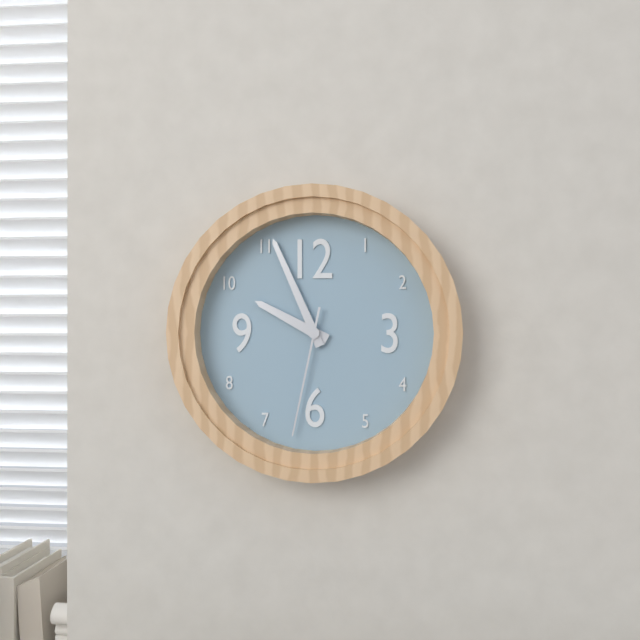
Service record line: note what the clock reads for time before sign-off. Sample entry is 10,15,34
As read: 9,56,32
